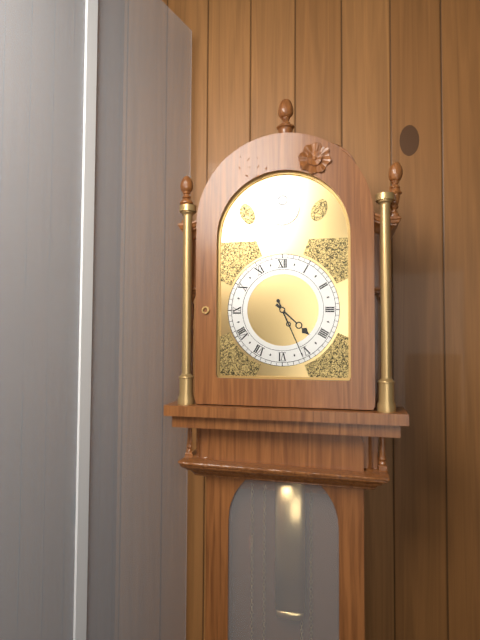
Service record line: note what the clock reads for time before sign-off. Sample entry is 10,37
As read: 4,26
